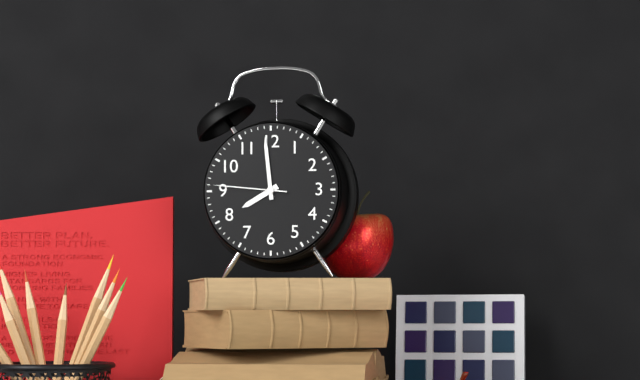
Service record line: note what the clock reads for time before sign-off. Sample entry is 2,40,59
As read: 7,59,46
